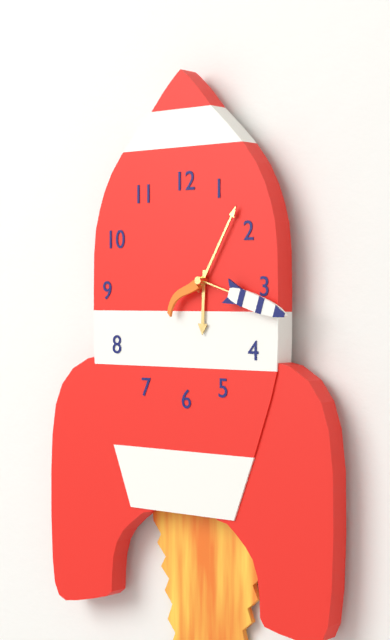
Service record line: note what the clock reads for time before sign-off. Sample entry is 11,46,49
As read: 6,05,18
